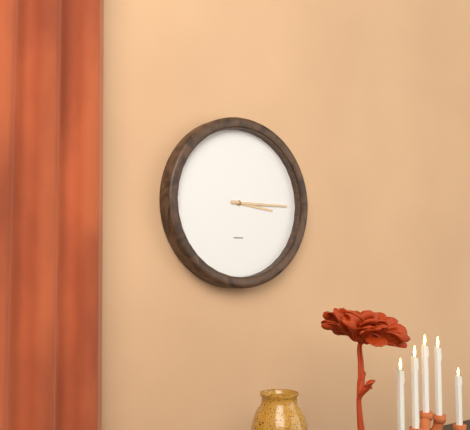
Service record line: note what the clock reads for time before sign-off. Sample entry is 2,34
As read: 3,15
